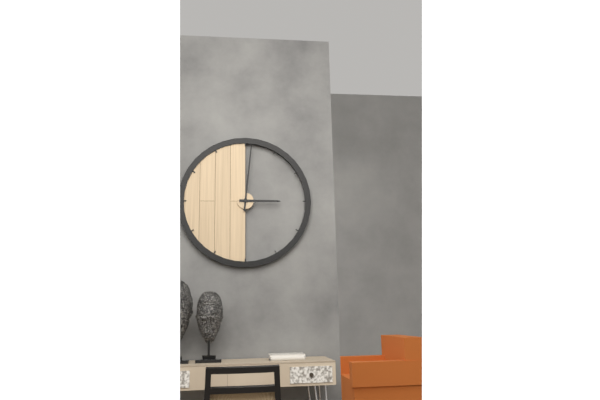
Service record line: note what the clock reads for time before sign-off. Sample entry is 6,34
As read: 3,01
